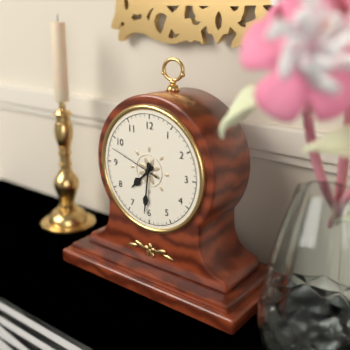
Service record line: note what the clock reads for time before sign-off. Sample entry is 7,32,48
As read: 7,31,48
